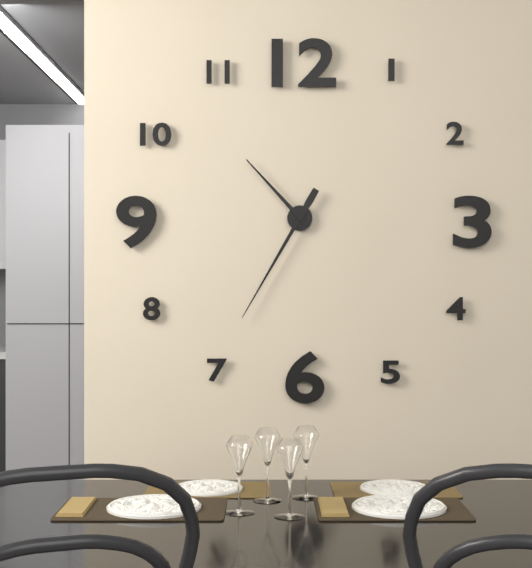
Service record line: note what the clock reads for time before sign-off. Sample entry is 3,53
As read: 10,35
